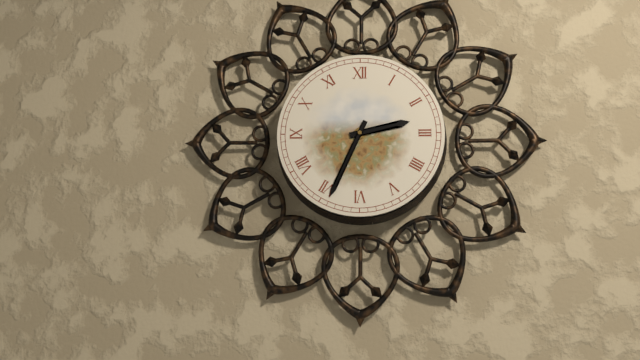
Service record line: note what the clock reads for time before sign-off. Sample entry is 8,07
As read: 2,34
